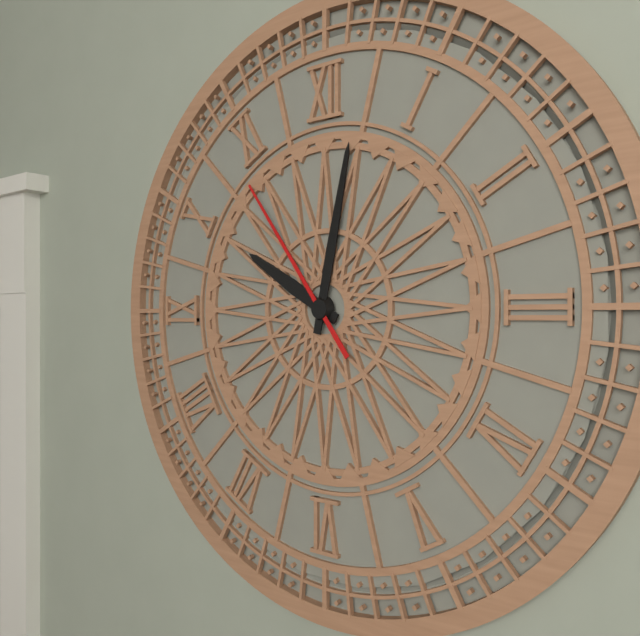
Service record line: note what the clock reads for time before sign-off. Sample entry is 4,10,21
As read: 10,02,54
